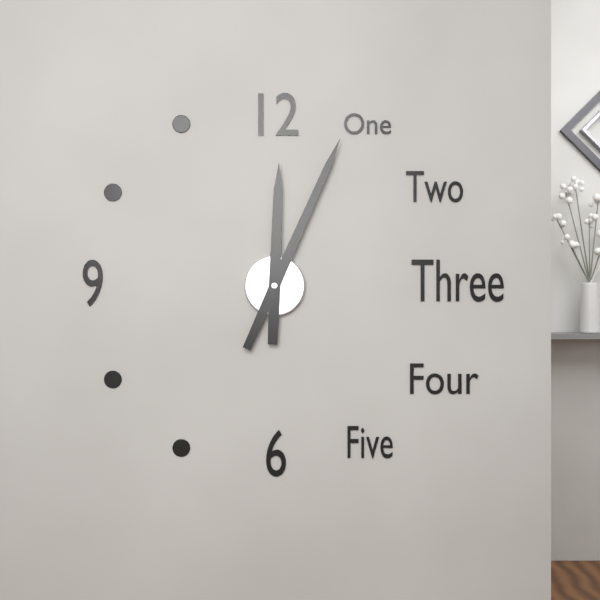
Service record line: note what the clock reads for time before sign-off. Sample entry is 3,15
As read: 12,04
